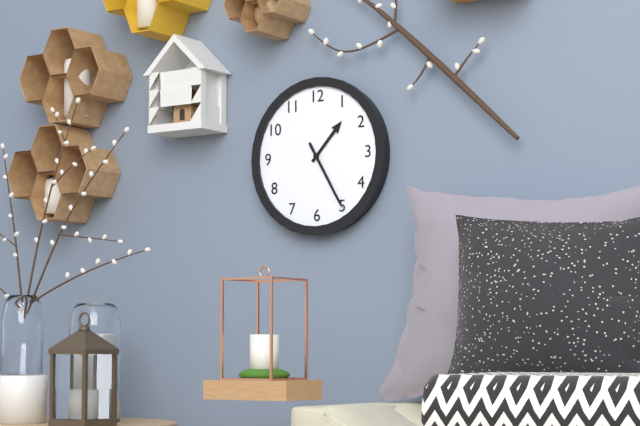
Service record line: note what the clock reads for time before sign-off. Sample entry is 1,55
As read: 1,25
